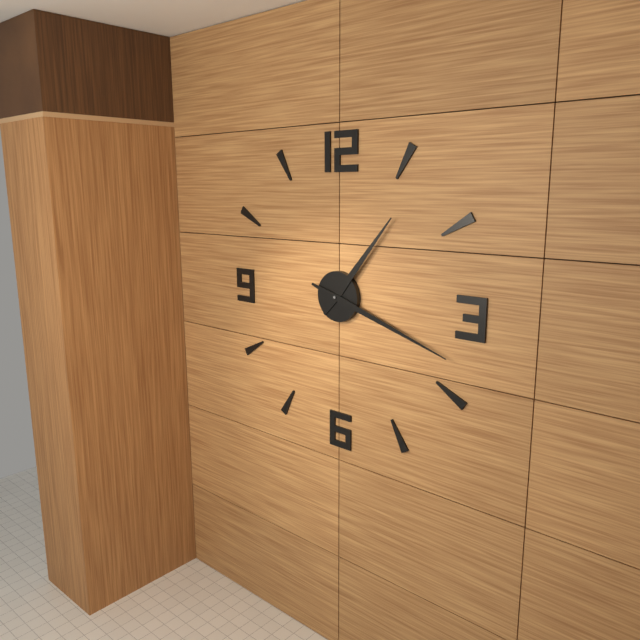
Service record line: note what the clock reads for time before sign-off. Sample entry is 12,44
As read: 1,18
